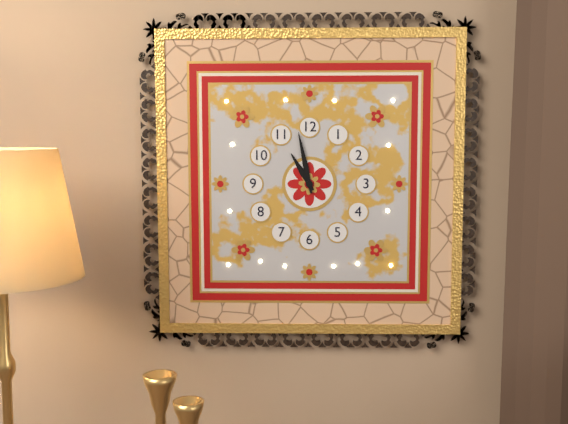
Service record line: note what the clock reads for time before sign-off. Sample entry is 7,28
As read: 10,58
